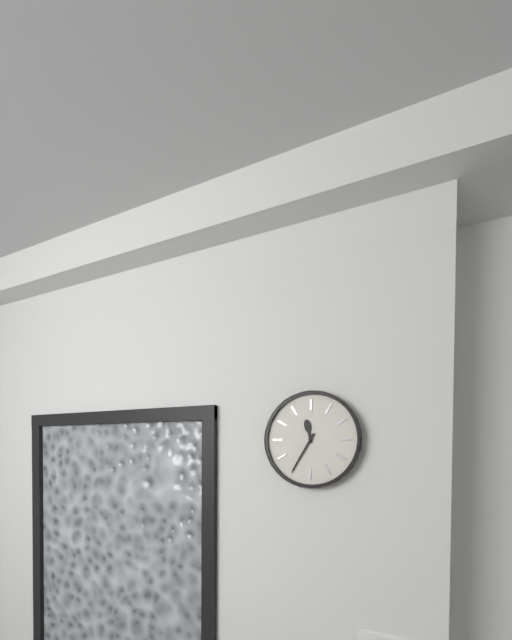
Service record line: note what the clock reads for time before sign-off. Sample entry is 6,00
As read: 11,35
